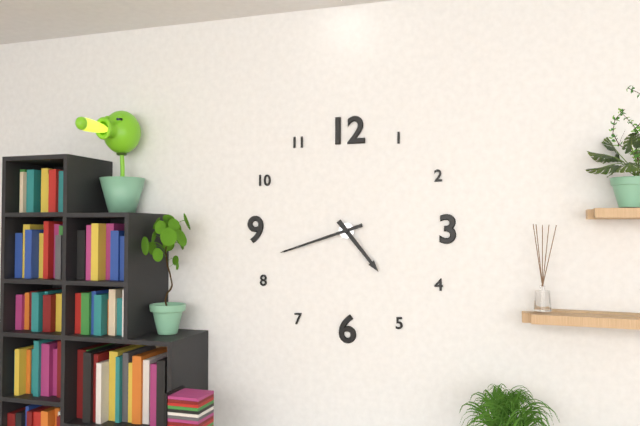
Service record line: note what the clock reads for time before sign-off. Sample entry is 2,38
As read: 4,42
